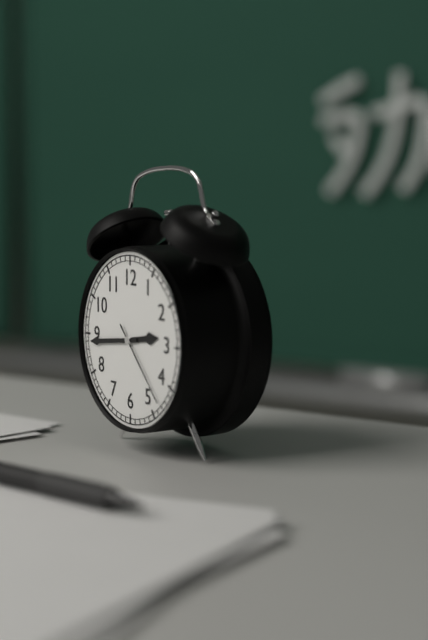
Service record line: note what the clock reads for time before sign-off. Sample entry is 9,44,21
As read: 2,44,23
